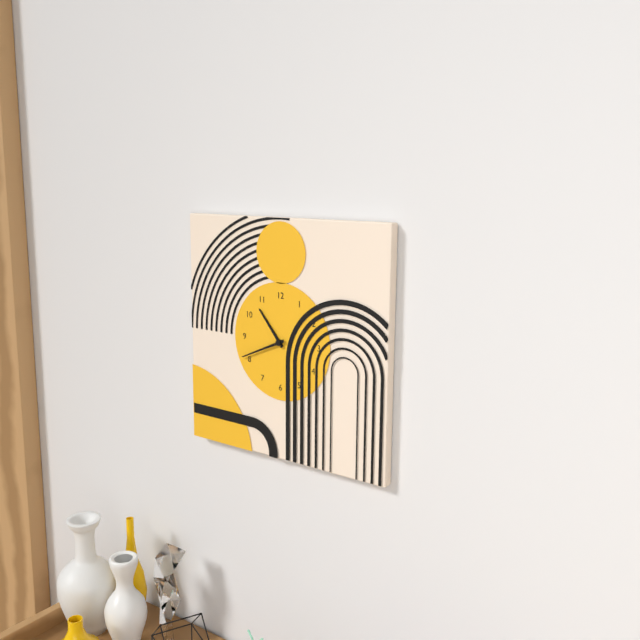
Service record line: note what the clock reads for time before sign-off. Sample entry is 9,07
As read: 10,41
